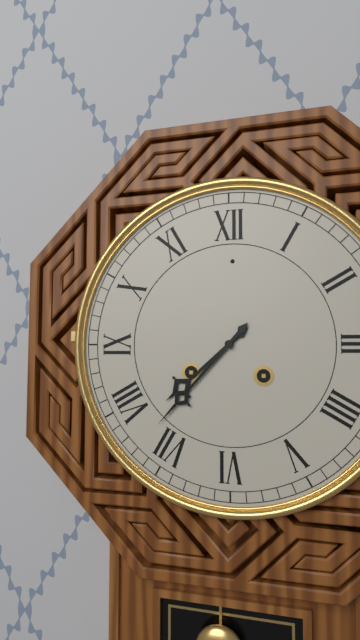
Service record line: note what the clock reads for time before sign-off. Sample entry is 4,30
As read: 7,37
